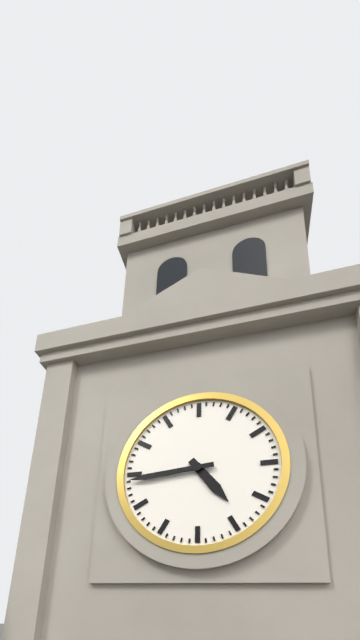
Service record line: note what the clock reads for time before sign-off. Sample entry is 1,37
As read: 4,44
